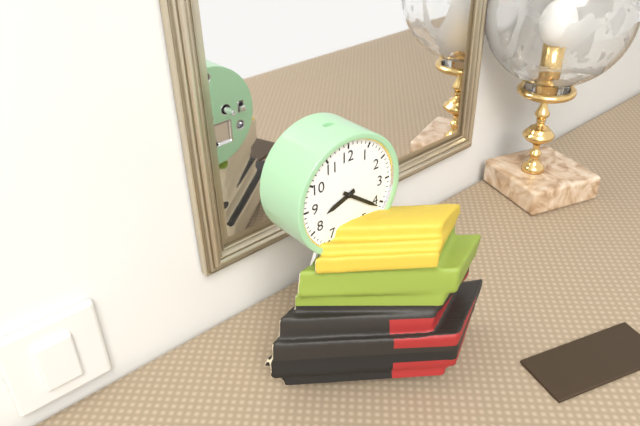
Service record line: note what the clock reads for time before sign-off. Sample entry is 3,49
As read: 8,21
